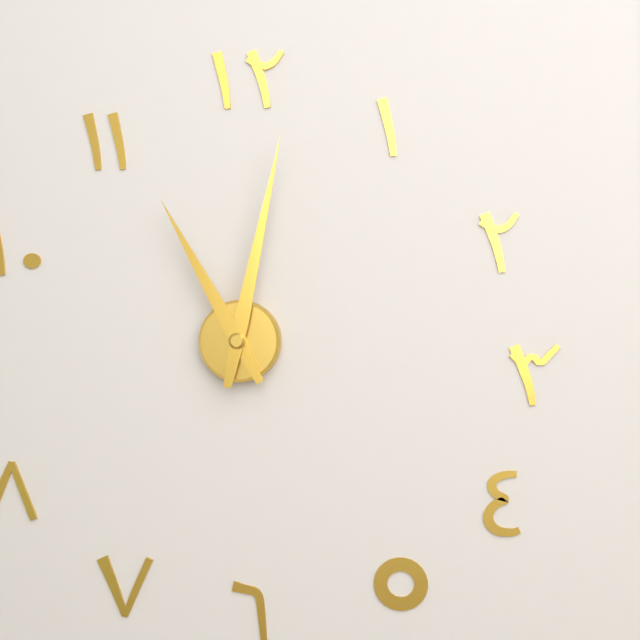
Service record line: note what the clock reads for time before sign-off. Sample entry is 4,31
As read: 11,02
